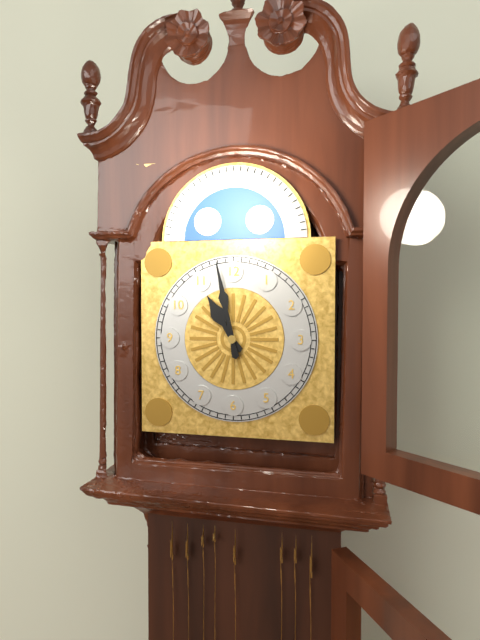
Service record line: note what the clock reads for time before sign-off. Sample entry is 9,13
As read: 10,58
